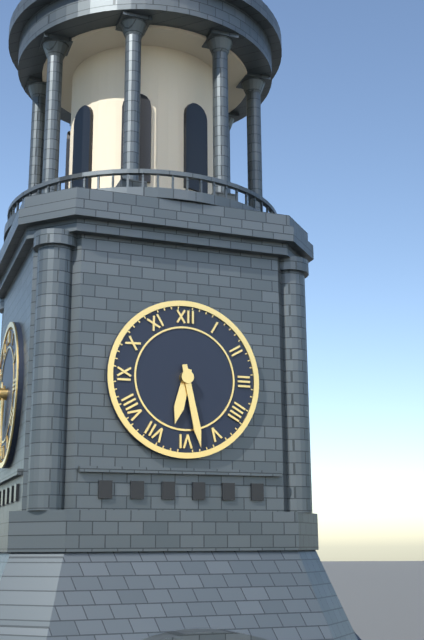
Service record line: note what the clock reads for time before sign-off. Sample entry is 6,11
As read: 6,28
